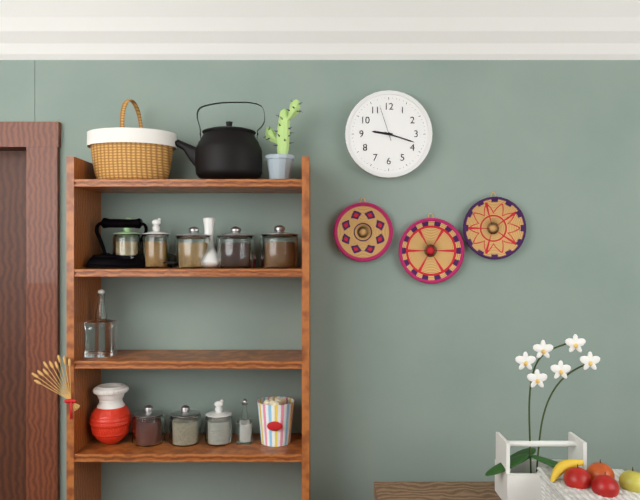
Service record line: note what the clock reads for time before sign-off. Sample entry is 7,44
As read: 9,18
